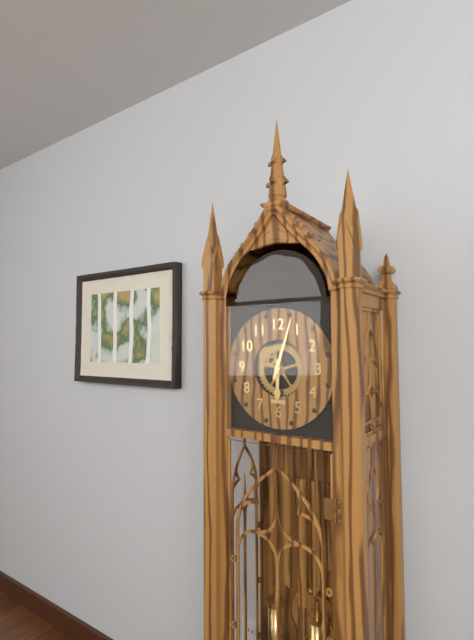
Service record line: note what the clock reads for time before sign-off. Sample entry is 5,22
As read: 6,03
